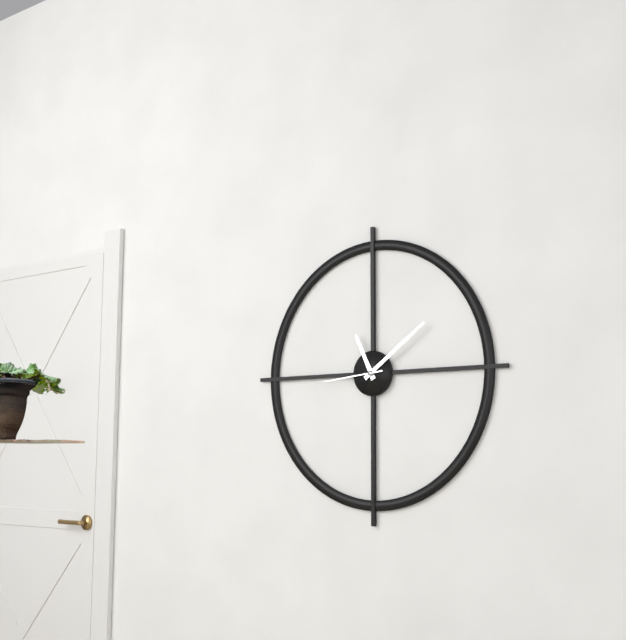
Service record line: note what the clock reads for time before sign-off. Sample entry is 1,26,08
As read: 11,09,44
